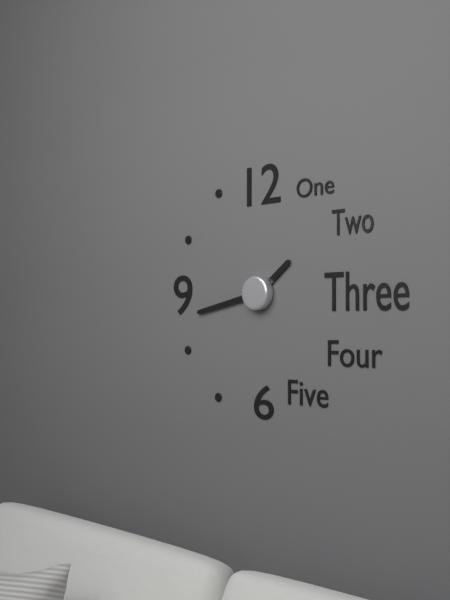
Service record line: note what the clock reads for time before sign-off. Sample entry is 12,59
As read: 1,43
